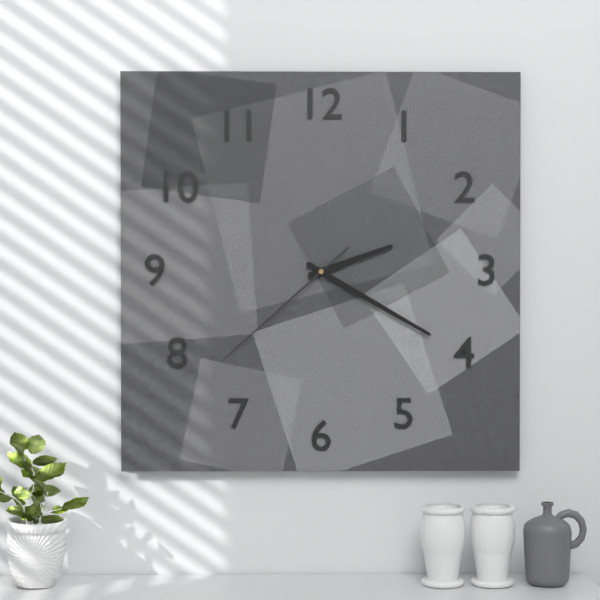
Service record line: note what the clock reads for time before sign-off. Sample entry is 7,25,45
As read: 2,20,38
